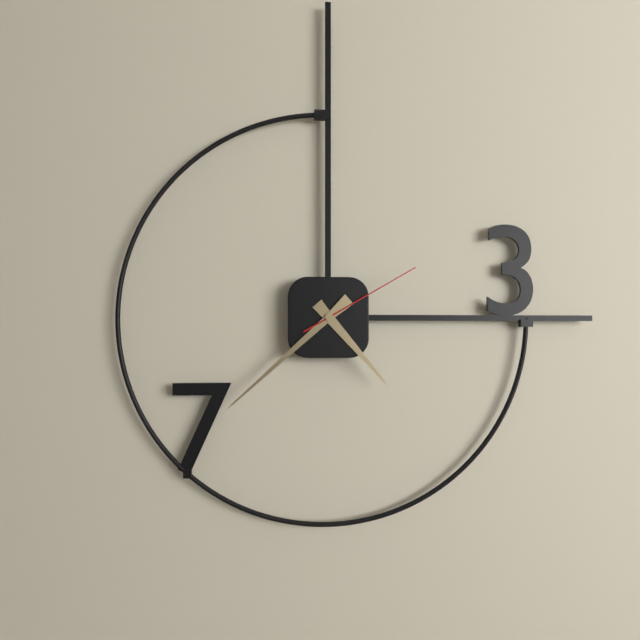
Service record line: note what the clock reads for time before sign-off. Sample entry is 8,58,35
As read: 4,38,10
